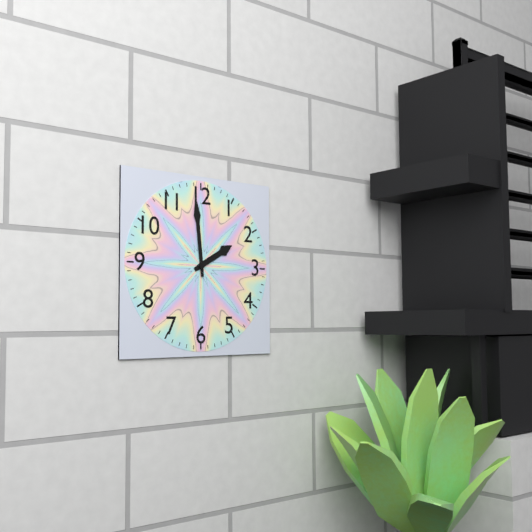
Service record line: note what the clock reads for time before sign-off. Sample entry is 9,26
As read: 1,59
